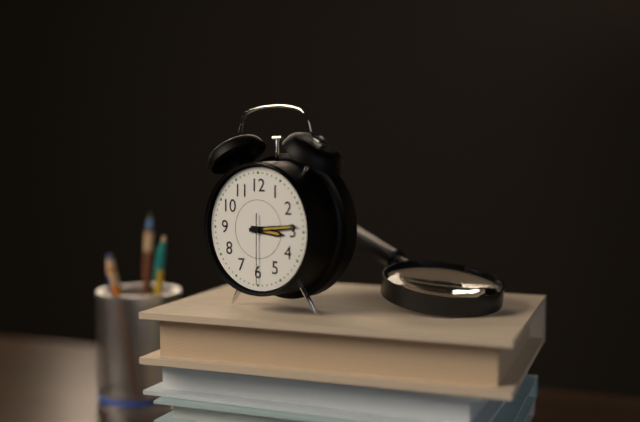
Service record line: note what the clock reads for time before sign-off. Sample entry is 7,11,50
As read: 3,14,30
